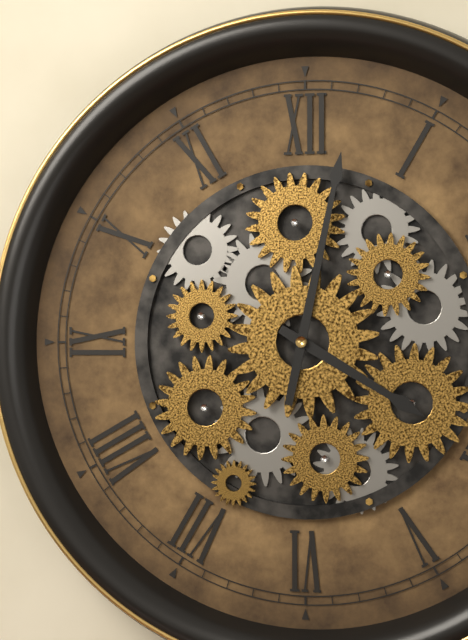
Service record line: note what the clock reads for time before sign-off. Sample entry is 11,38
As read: 4,02
